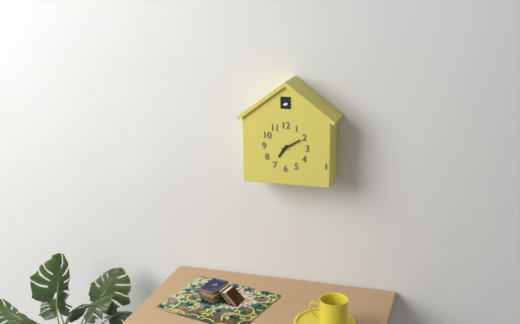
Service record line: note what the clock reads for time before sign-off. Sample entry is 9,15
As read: 7,10
